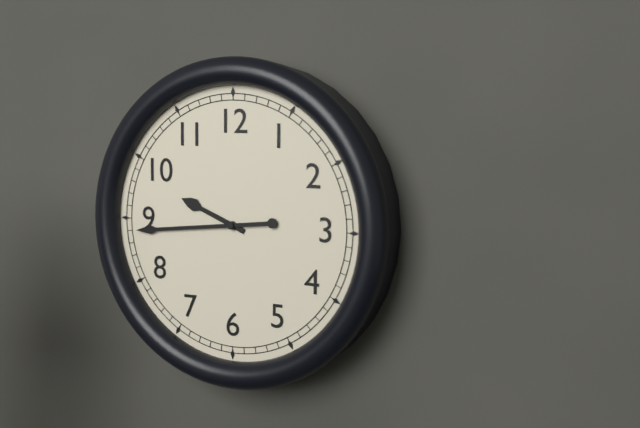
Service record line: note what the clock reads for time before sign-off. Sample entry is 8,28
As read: 9,44
